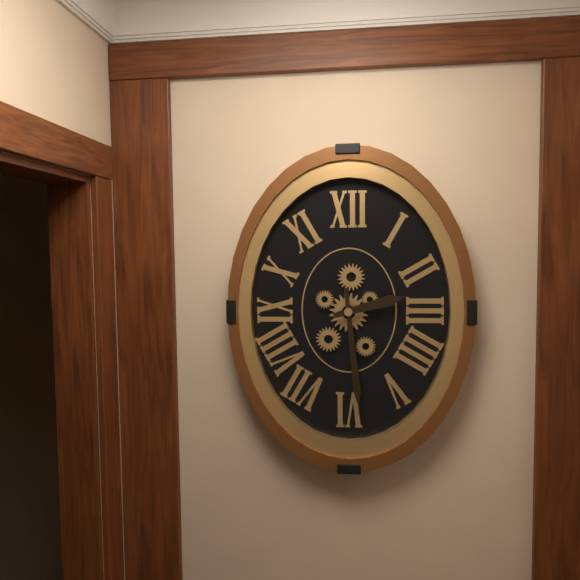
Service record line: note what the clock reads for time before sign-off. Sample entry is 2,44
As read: 2,29
